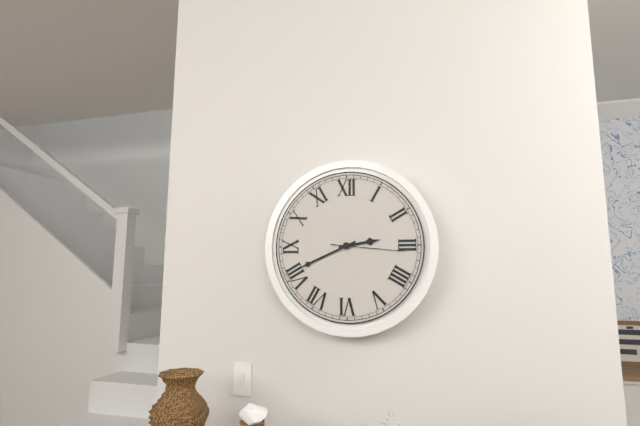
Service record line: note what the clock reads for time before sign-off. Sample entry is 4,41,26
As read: 2,41,16
